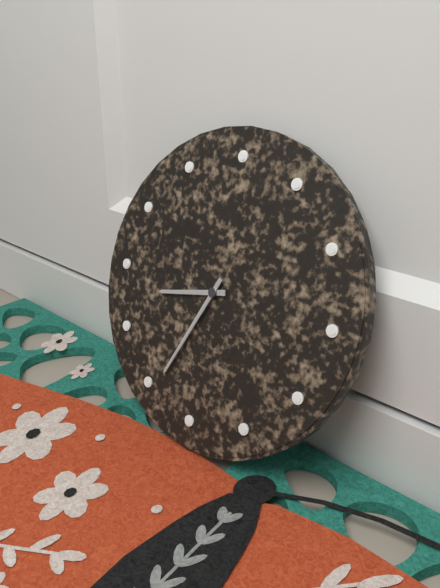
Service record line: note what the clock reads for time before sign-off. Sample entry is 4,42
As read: 8,34
